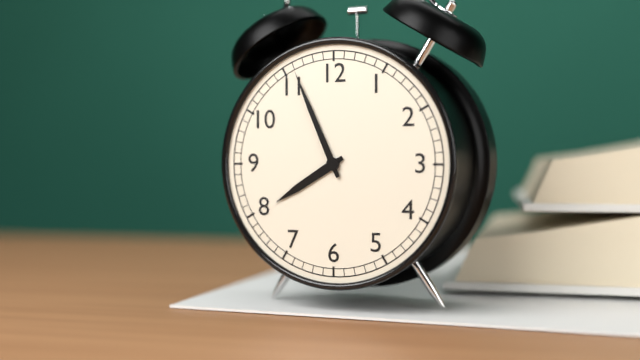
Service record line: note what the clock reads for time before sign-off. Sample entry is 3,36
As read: 7,56
